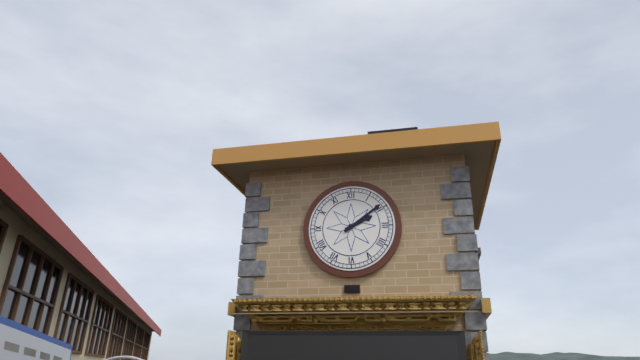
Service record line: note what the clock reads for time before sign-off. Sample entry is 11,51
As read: 2,09
